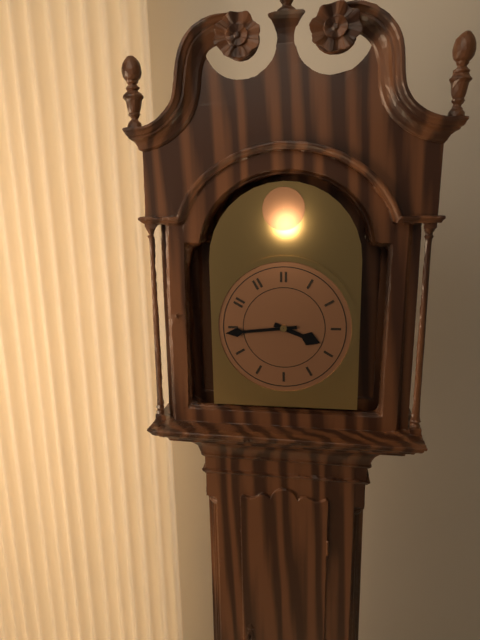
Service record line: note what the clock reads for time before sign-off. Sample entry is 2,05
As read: 3,44
